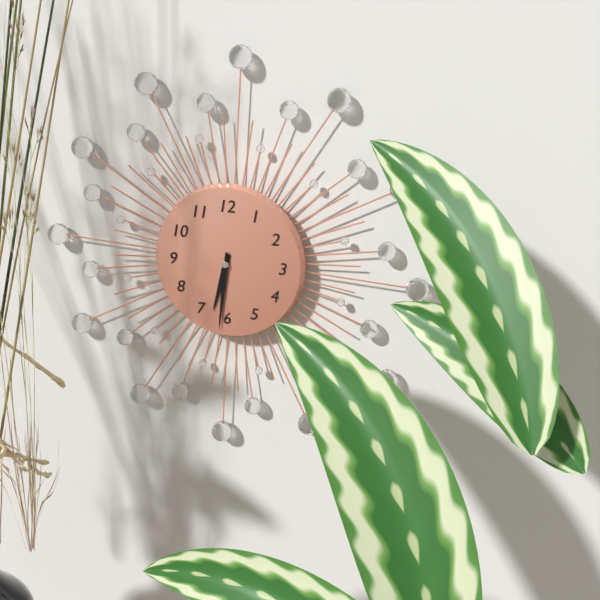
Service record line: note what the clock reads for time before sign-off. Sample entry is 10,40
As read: 6,31
